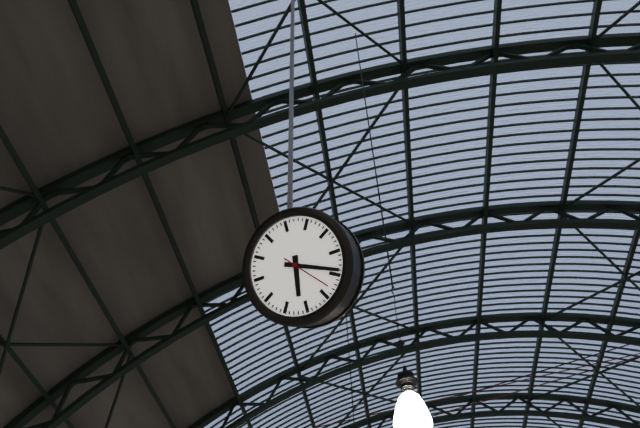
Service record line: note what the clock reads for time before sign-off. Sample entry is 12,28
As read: 6,19
